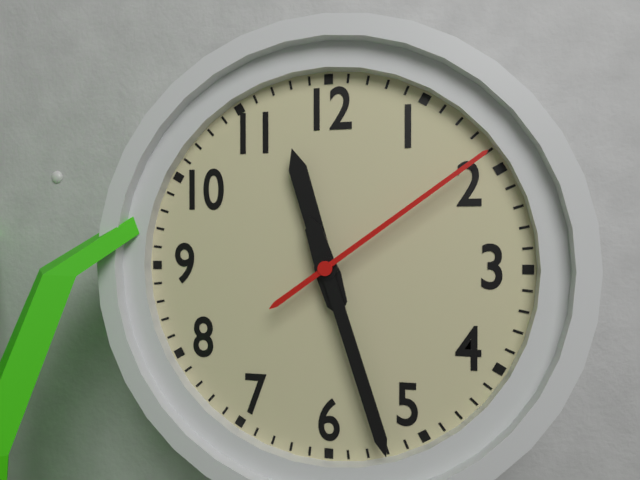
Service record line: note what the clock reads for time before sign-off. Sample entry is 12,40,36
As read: 11,27,09
